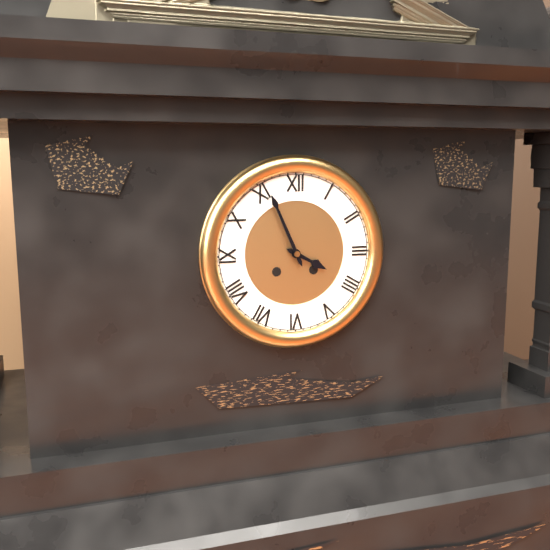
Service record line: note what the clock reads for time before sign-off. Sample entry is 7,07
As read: 3,56
